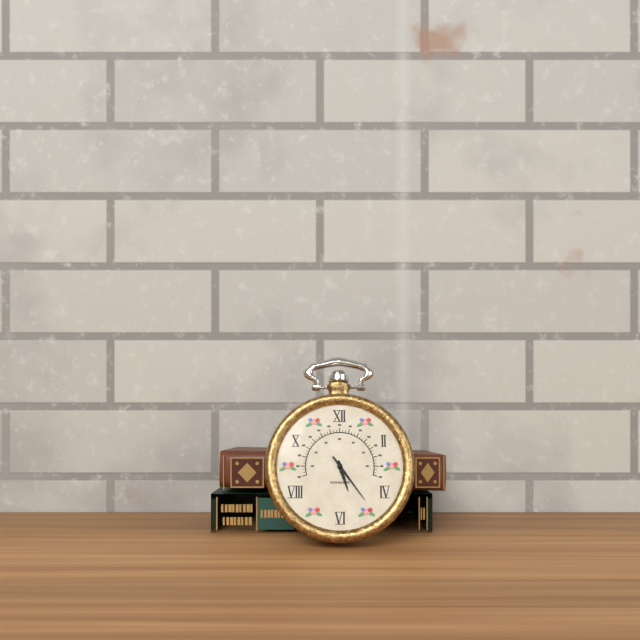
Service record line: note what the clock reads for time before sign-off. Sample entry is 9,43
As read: 5,24
